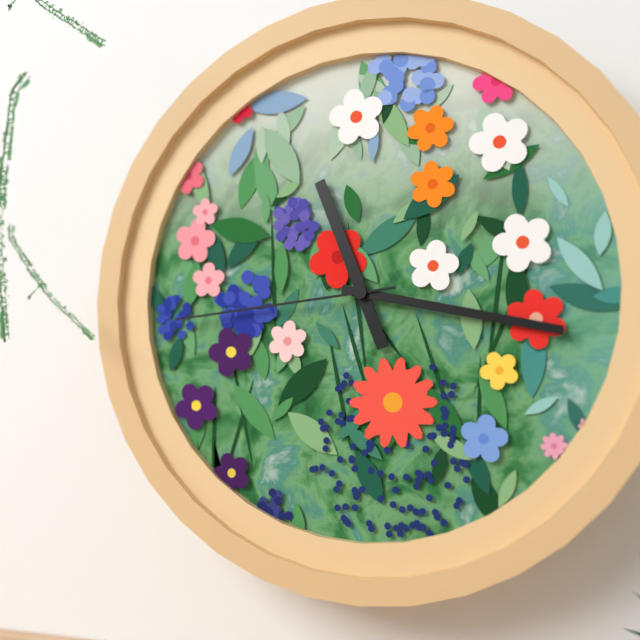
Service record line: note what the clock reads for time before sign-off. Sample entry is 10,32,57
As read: 11,17,44
